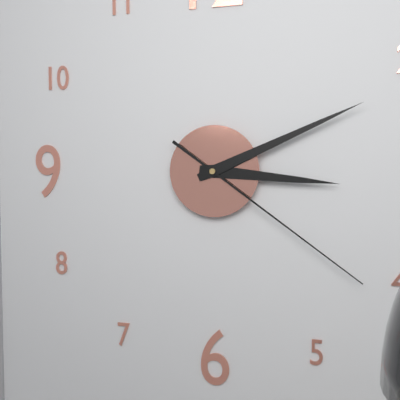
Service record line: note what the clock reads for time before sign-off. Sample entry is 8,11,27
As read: 3,11,21
